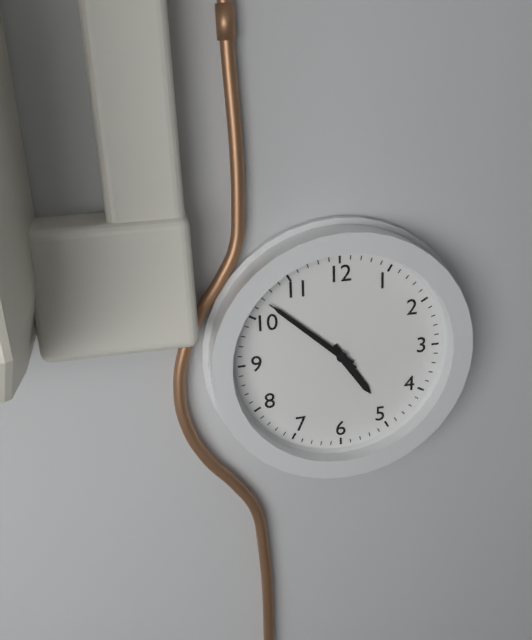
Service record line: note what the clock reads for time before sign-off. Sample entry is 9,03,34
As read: 4,52,52
